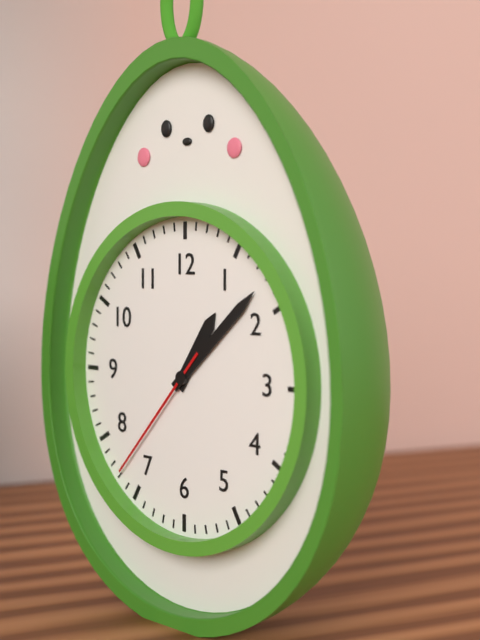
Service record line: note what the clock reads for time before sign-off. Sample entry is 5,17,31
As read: 1,08,37
